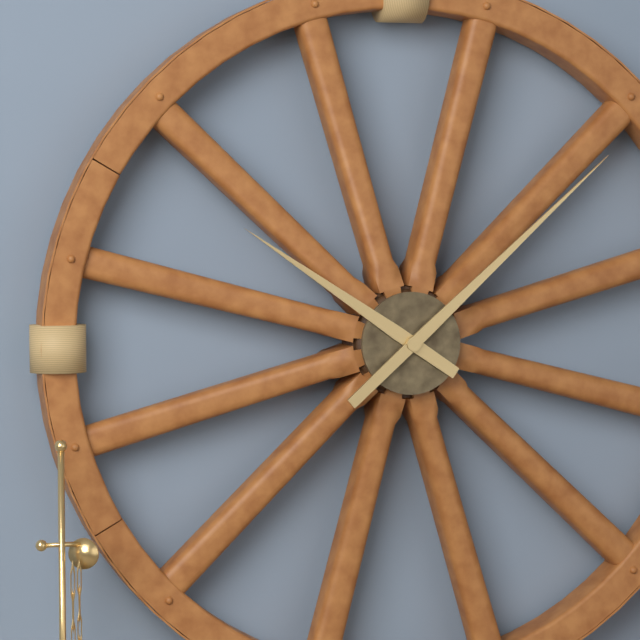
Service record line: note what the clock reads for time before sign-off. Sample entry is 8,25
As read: 10,08
